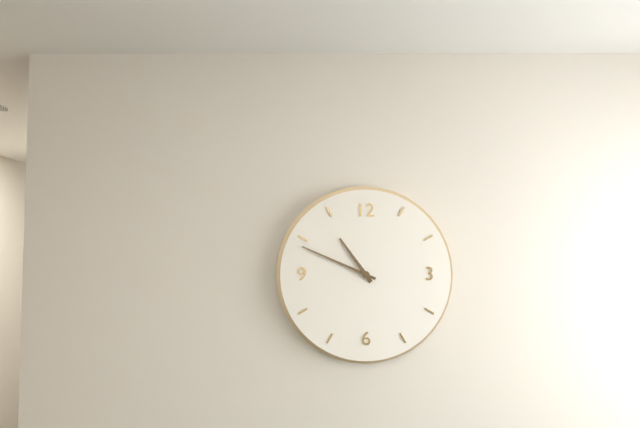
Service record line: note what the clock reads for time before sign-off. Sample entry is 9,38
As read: 10,49
